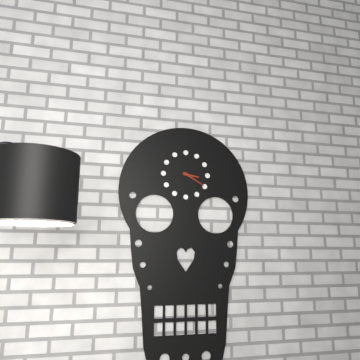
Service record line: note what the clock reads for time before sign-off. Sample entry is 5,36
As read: 3,20
